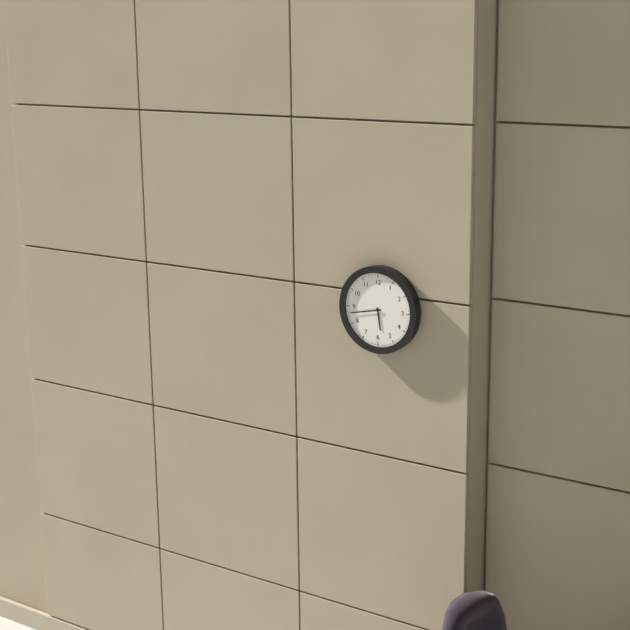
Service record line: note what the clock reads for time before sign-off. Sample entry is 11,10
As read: 5,43
